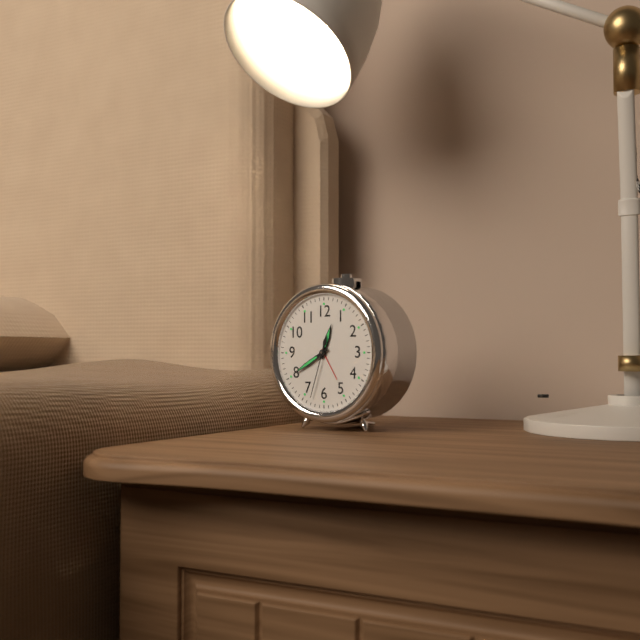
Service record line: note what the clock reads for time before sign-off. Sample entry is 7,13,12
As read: 12,40,33
